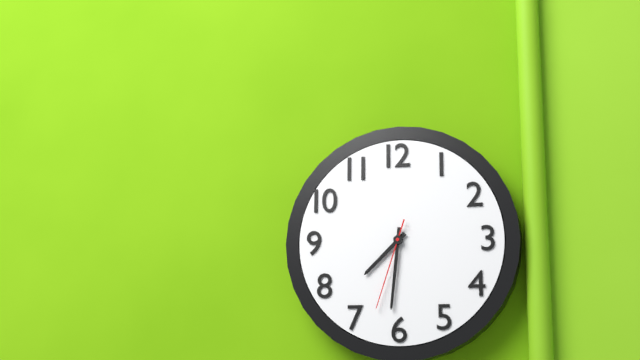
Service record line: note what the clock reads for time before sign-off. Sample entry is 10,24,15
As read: 7,31,33
